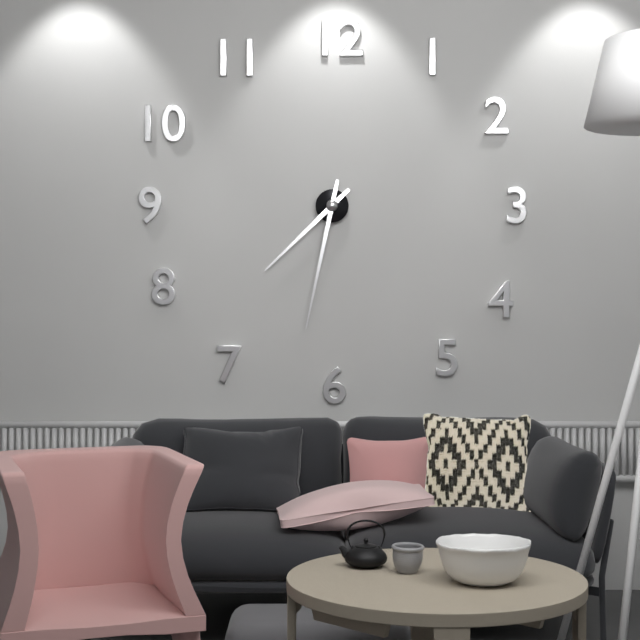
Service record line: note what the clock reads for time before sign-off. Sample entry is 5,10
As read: 7,32
